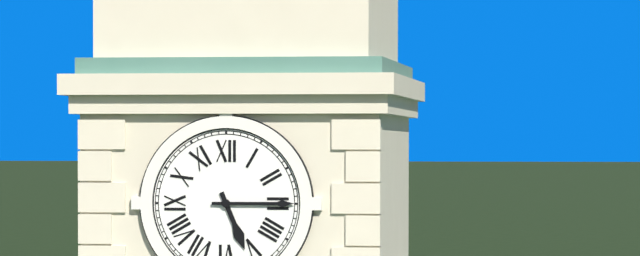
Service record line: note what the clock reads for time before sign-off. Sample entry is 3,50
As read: 5,15
